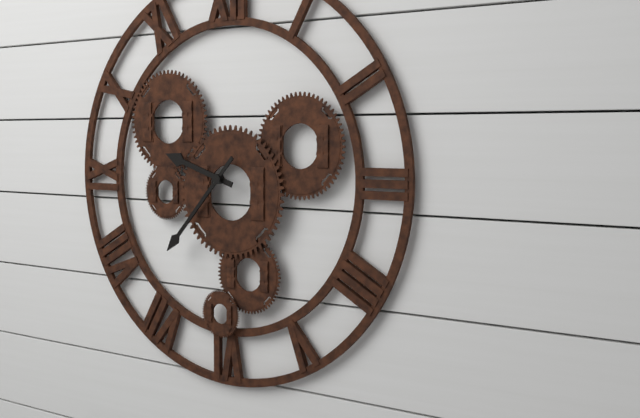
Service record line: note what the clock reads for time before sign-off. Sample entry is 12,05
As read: 9,37
